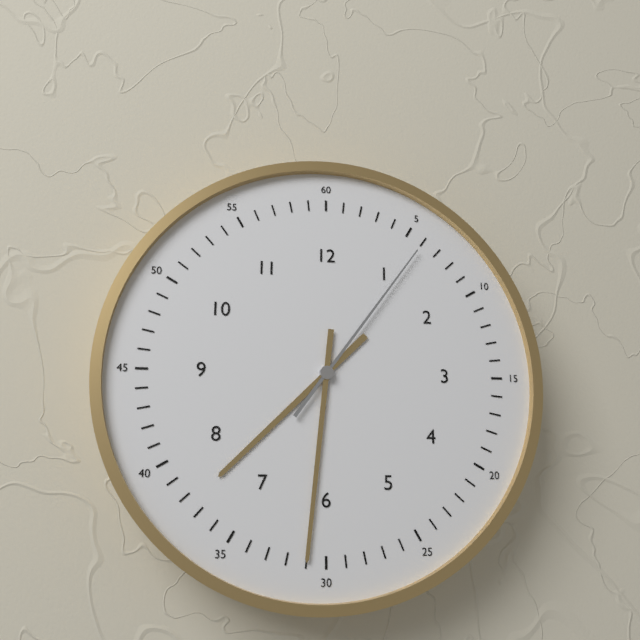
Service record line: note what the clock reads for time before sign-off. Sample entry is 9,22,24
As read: 7,31,06
